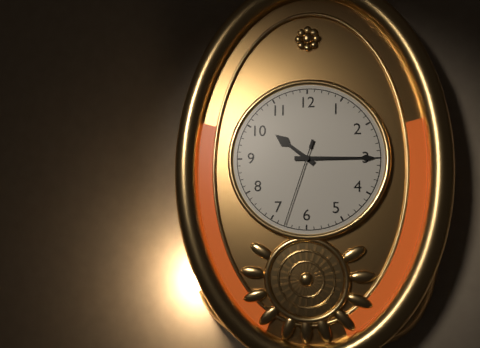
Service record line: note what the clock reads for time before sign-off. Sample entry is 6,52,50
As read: 10,15,33
